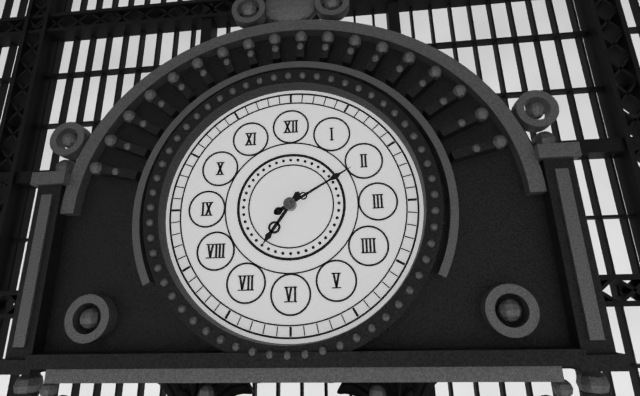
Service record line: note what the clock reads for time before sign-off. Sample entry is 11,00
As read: 7,10
